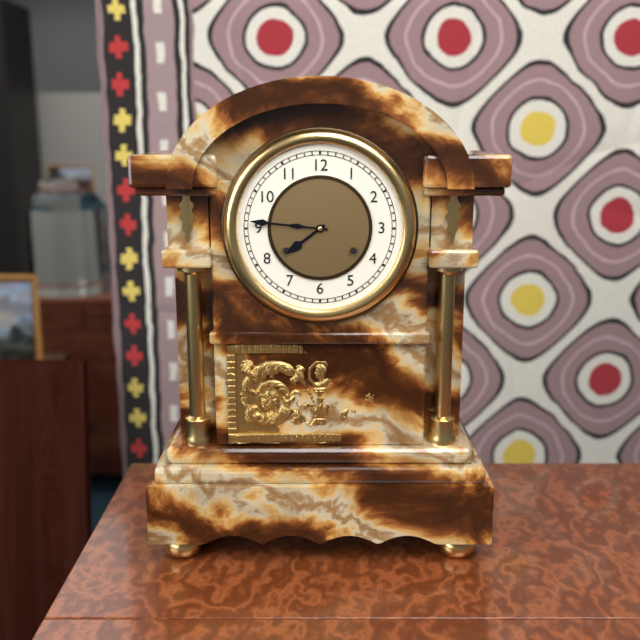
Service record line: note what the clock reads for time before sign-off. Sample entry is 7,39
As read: 7,46
